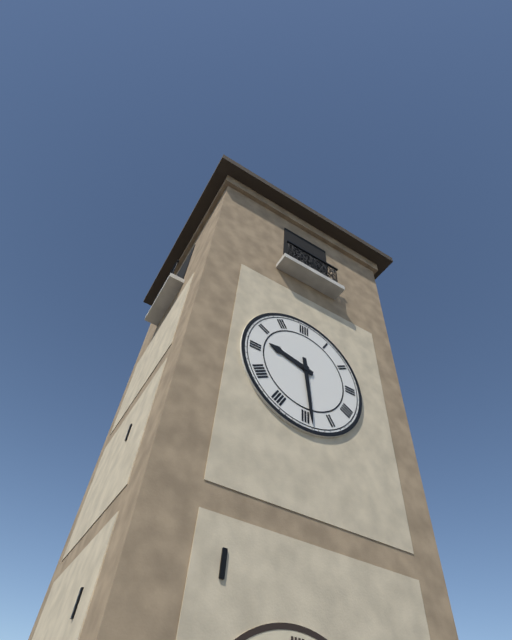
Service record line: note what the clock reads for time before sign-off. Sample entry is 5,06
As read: 9,29
